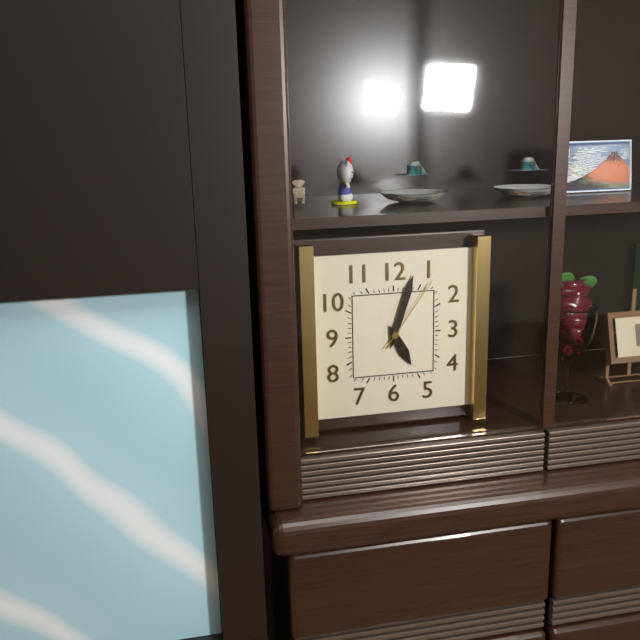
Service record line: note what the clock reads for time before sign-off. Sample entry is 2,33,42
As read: 5,03,06
